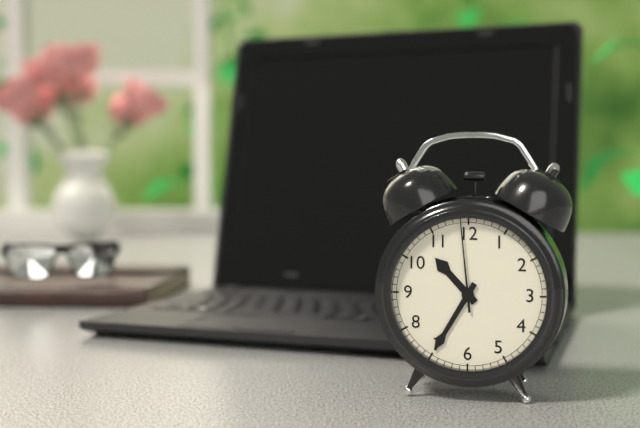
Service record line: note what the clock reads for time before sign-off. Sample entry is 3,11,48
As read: 10,35,59
